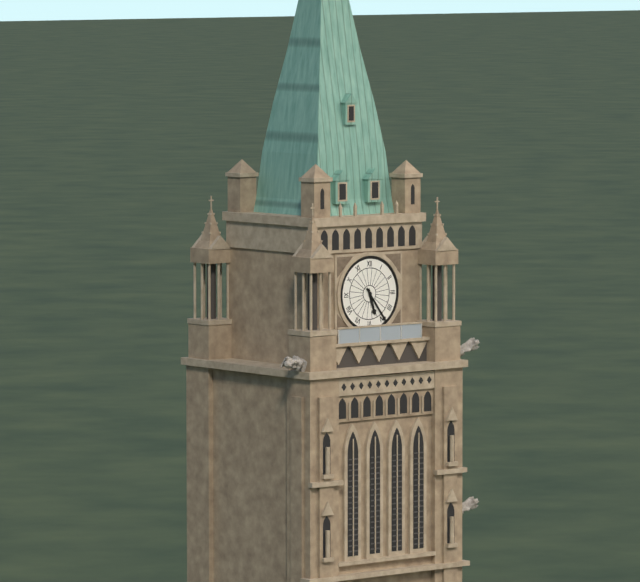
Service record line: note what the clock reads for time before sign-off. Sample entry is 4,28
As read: 5,24
